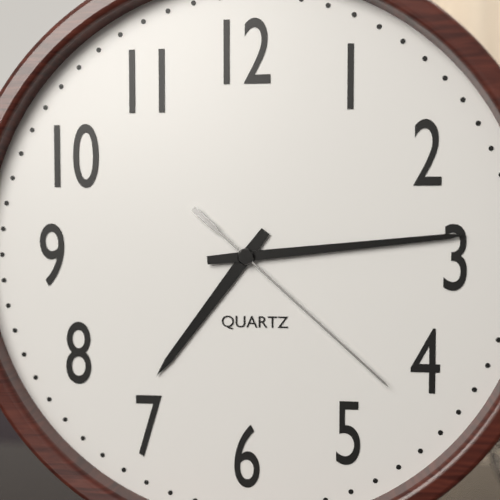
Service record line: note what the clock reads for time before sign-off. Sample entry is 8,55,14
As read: 7,14,22
